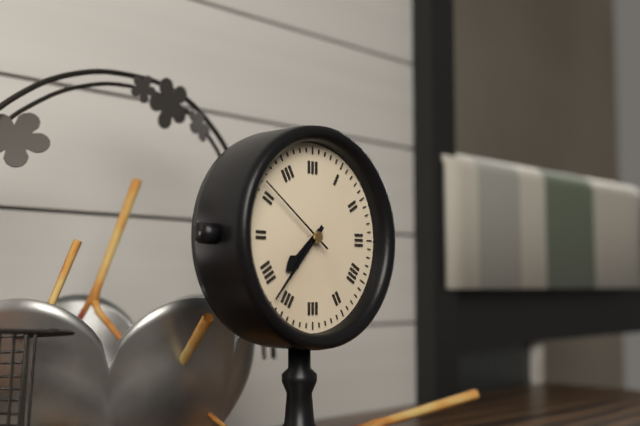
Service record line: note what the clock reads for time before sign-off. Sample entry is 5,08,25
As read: 7,37,51
